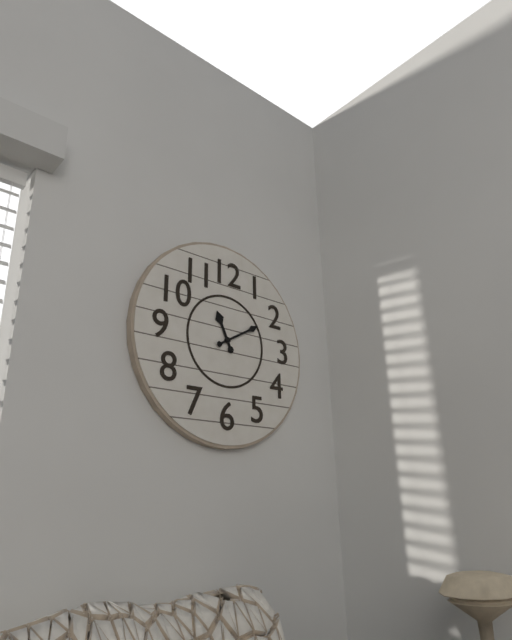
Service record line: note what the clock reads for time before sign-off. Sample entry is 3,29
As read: 11,10
